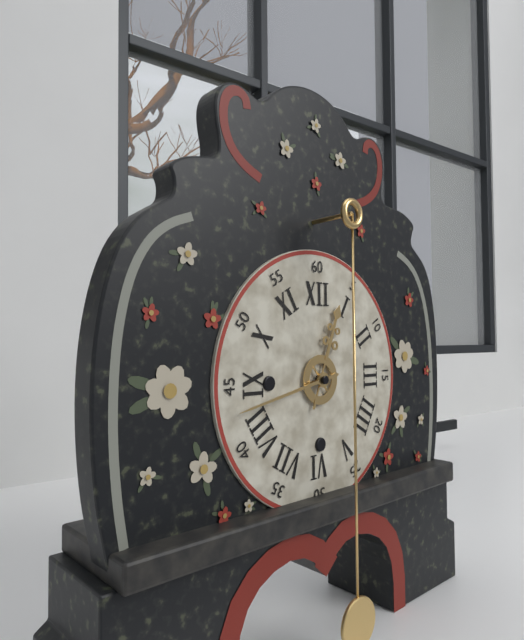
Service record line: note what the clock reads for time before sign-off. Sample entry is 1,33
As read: 12,43
